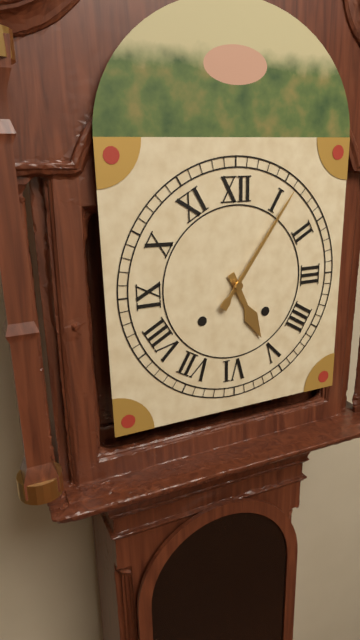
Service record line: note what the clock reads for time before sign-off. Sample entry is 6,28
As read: 5,06
